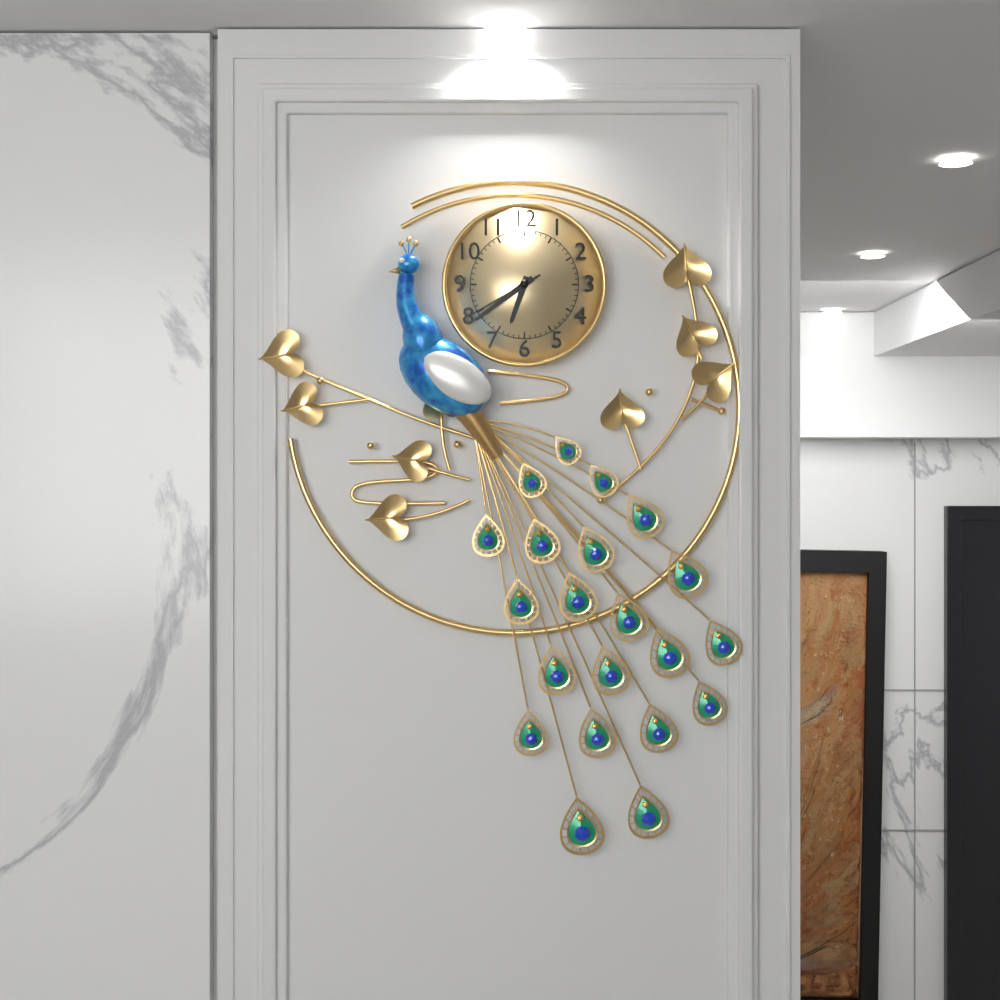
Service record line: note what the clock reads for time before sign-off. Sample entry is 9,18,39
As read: 6,39,40
